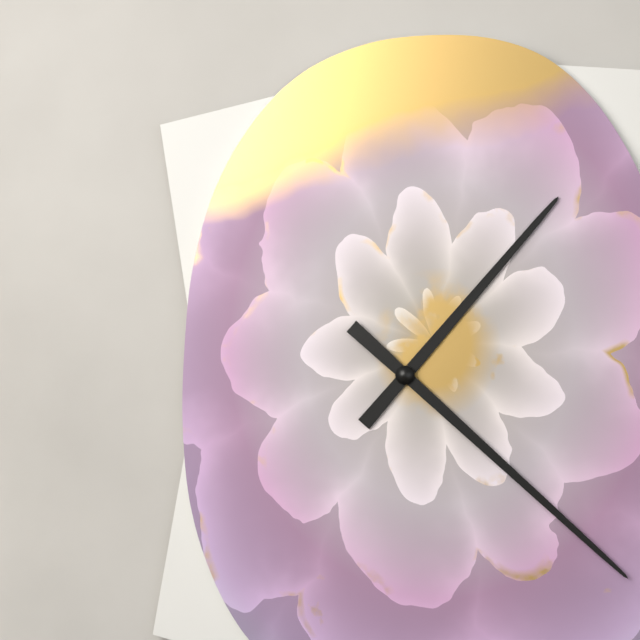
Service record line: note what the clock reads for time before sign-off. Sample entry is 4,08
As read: 1,22
